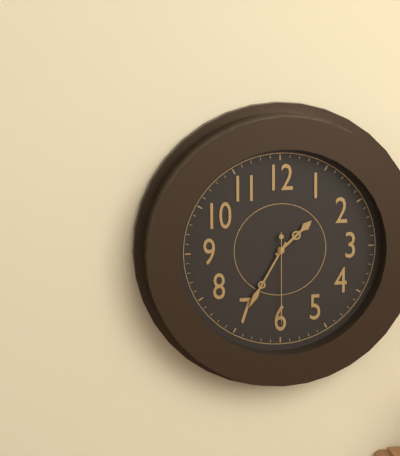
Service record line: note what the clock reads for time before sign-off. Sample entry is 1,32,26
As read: 1,35,30
